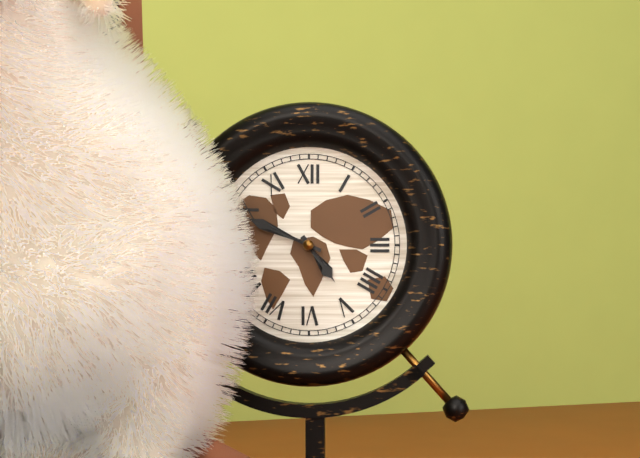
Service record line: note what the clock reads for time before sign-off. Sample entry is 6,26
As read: 4,49
